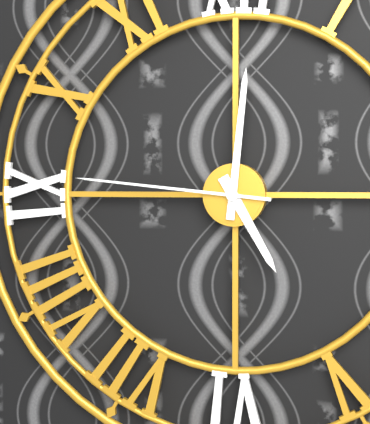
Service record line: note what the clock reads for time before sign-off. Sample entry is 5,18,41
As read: 5,01,46
